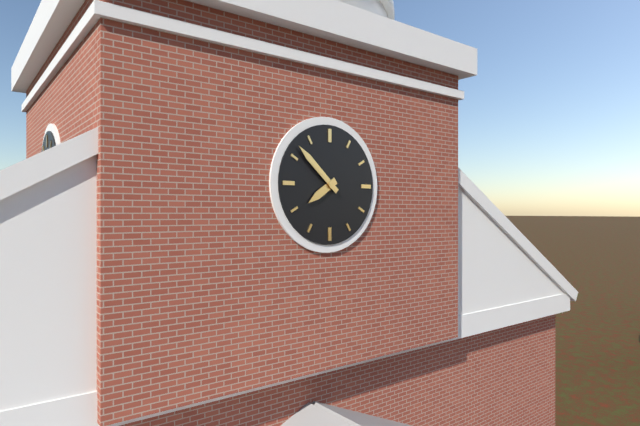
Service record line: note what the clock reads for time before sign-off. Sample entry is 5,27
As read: 7,52
